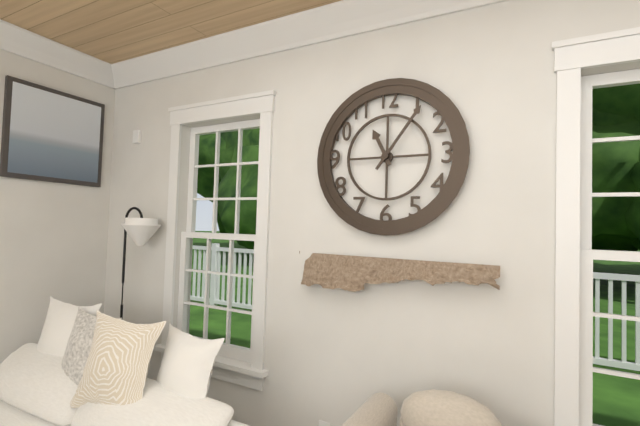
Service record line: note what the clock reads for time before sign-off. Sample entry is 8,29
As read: 11,06
